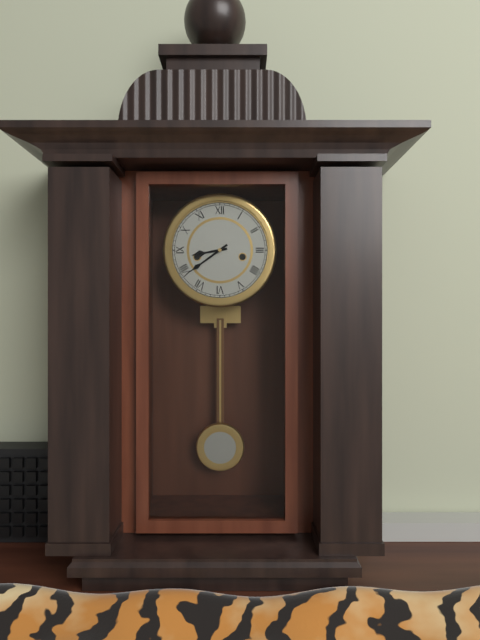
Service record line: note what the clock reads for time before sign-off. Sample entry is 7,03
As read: 8,39
